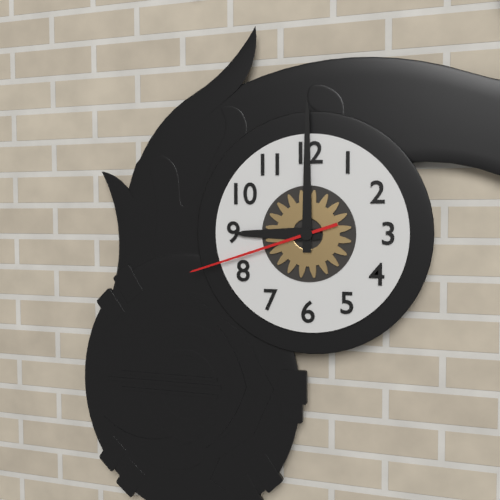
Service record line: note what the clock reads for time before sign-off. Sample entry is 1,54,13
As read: 9,00,42
